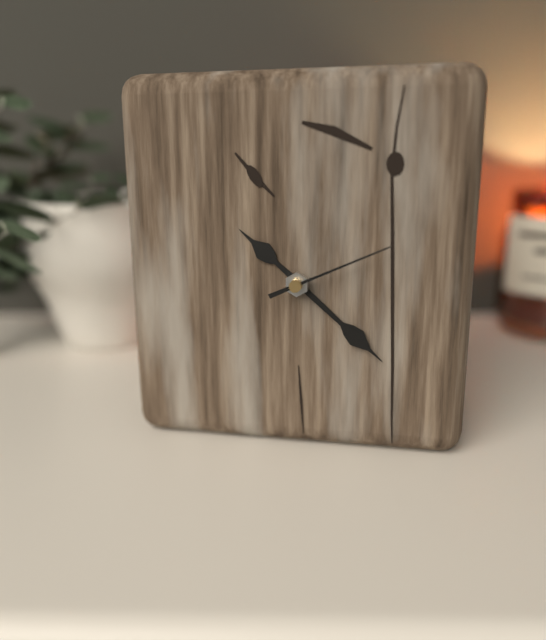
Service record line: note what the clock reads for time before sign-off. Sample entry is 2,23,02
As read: 10,22,11
